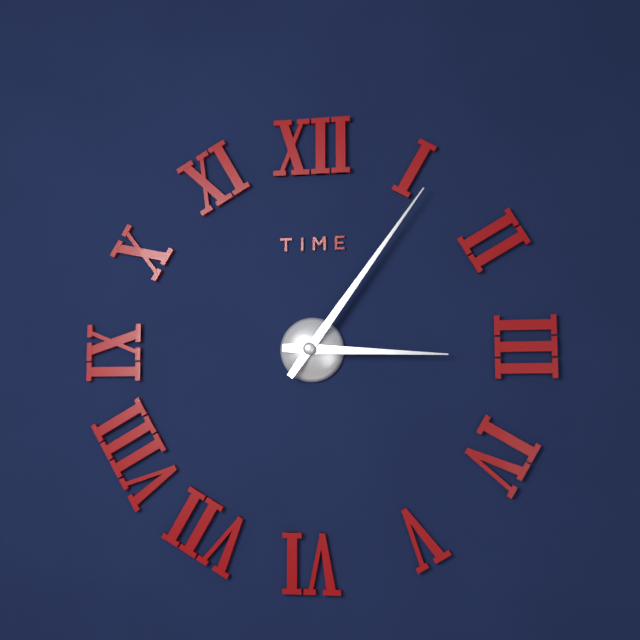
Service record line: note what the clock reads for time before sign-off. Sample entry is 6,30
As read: 3,06
